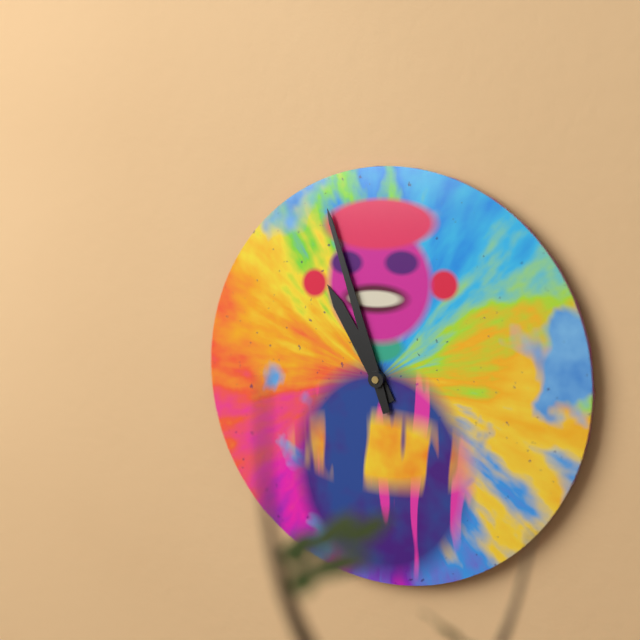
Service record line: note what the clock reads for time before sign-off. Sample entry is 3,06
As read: 10,57
